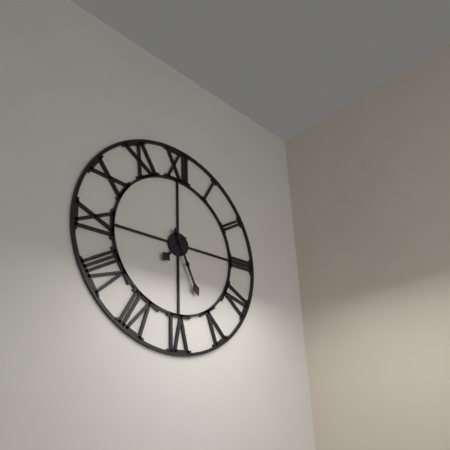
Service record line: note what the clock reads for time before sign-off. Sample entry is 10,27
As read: 7,26
